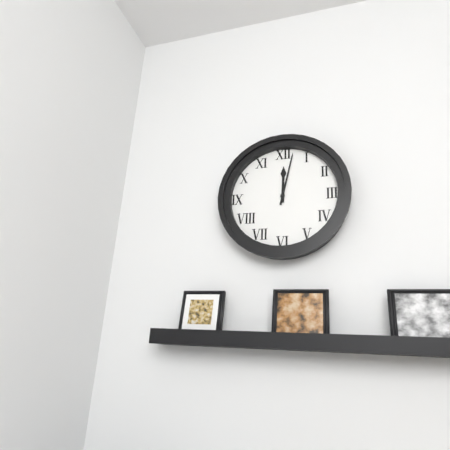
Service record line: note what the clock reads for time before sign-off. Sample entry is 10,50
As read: 12,02
